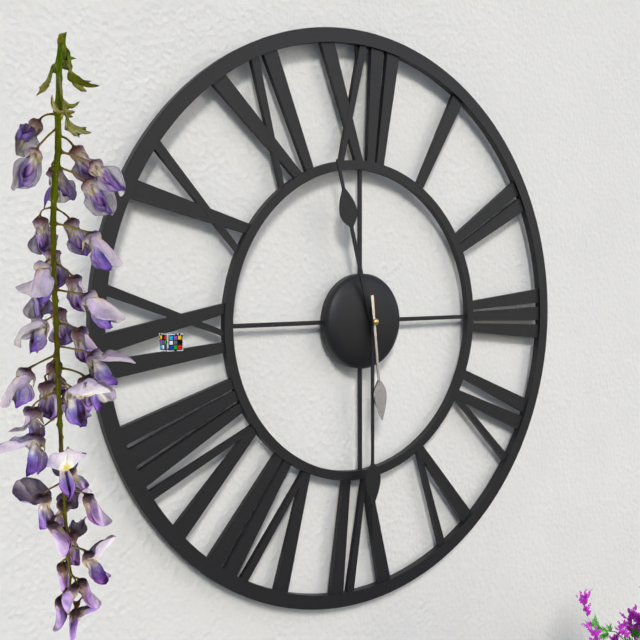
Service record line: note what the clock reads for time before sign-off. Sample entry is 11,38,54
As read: 11,30,29
